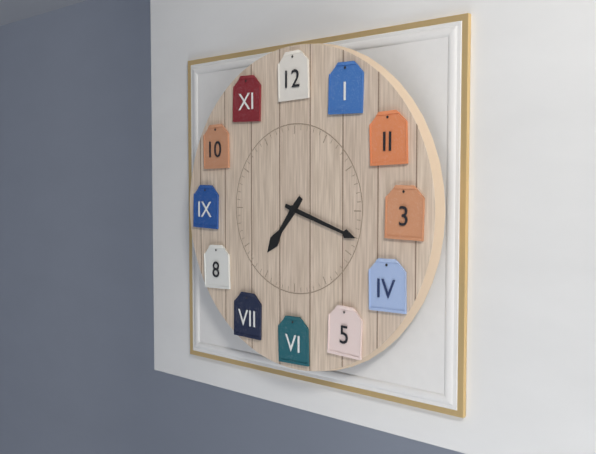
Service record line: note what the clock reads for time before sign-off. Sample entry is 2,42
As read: 7,18
